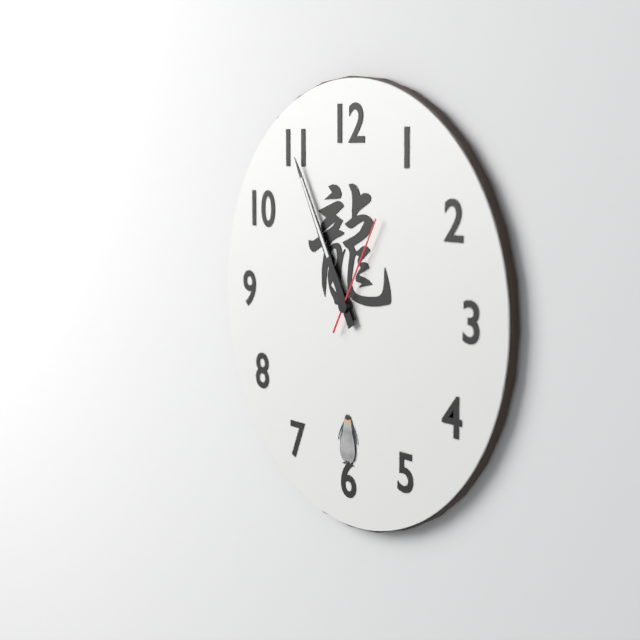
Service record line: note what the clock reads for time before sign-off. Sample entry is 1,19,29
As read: 10,55,05
